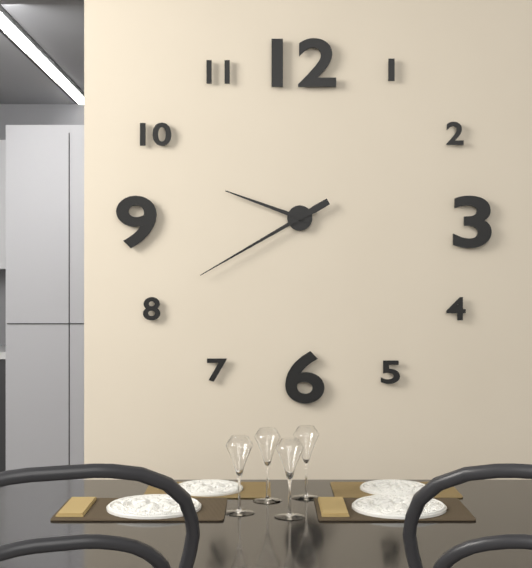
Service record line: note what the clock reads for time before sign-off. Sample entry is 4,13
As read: 9,40
